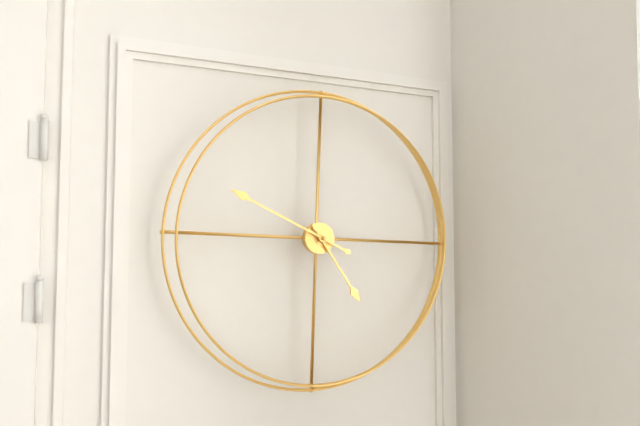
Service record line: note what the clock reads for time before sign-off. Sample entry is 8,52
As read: 4,49
